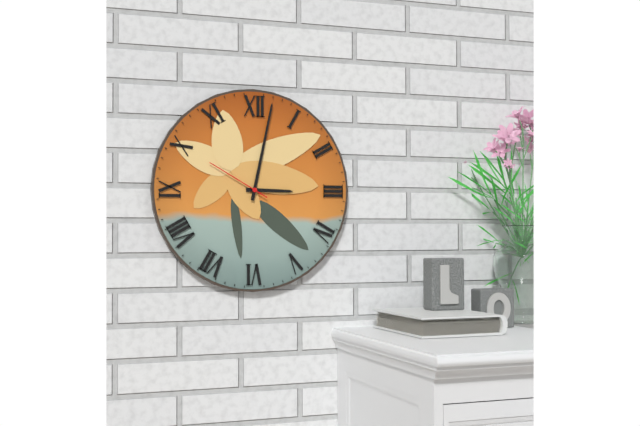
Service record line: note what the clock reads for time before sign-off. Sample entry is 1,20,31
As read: 3,02,50
